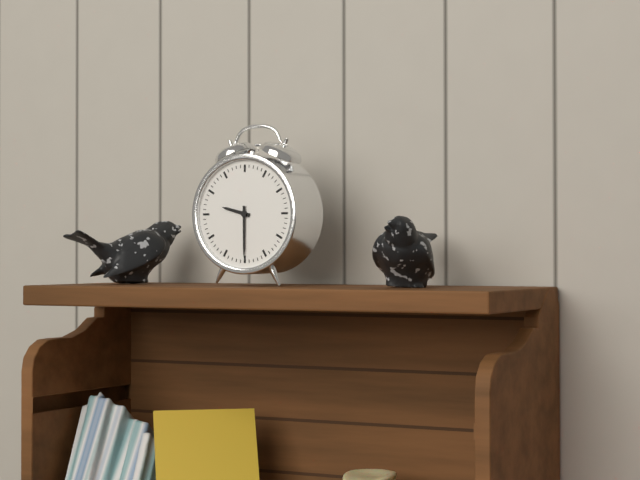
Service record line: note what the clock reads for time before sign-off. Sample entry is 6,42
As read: 9,30
